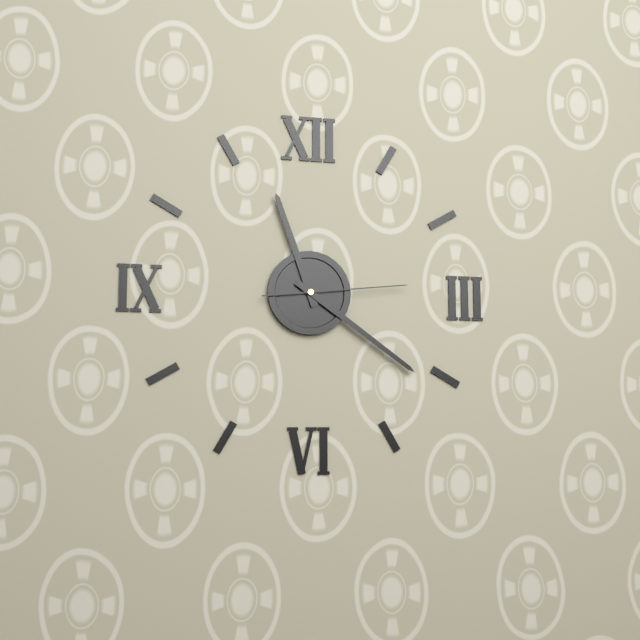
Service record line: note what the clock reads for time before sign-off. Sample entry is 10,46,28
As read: 11,21,14
